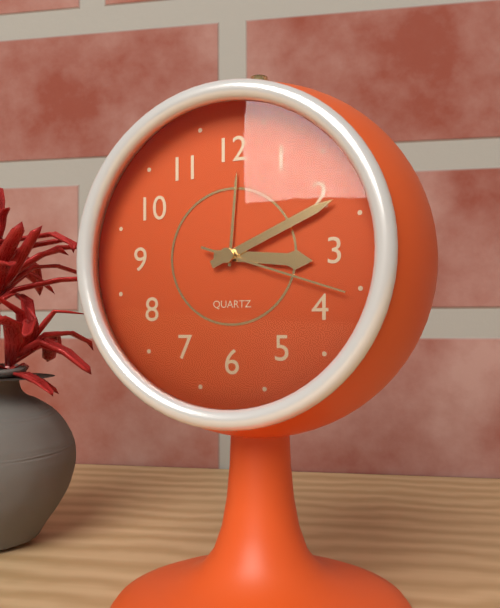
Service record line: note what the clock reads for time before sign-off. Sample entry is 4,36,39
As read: 3,11,18
